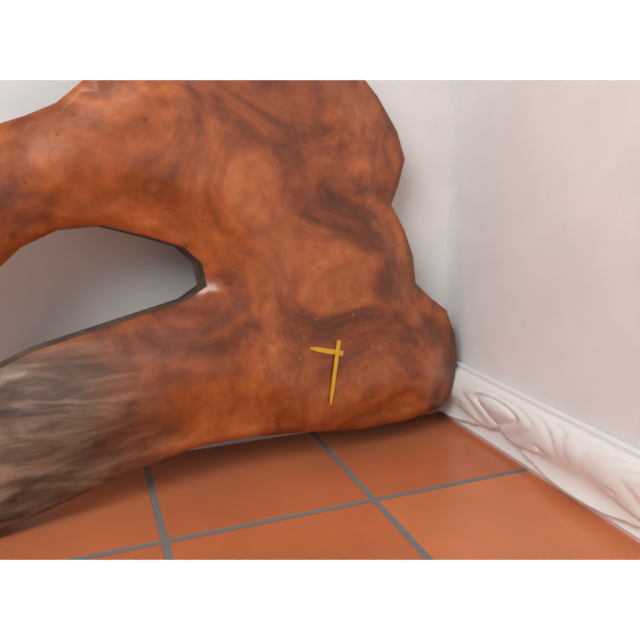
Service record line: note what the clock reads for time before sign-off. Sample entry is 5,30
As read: 9,32
